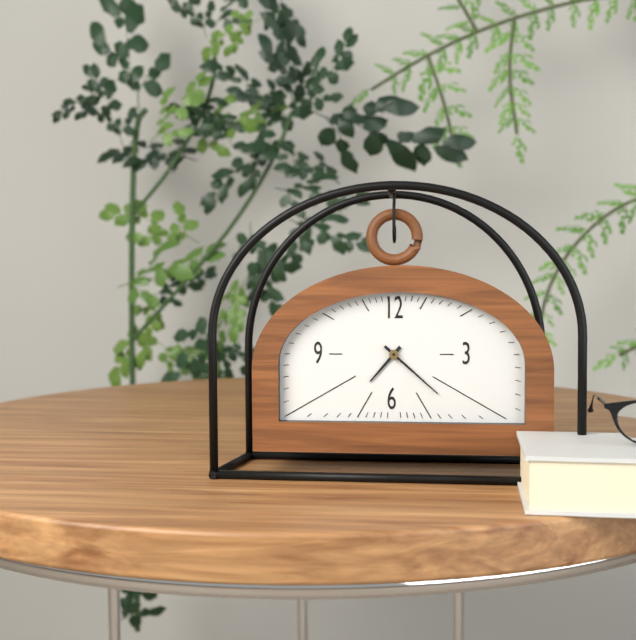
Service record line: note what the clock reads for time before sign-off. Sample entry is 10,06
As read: 7,22
